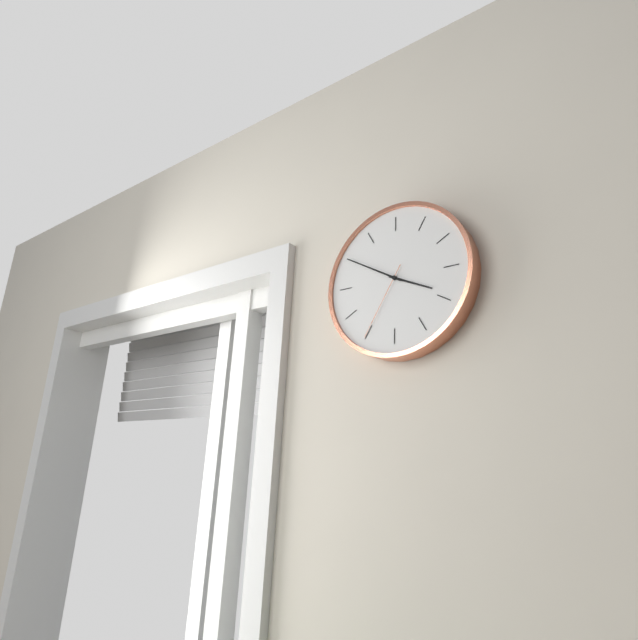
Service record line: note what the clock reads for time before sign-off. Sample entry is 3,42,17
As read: 3,50,35
